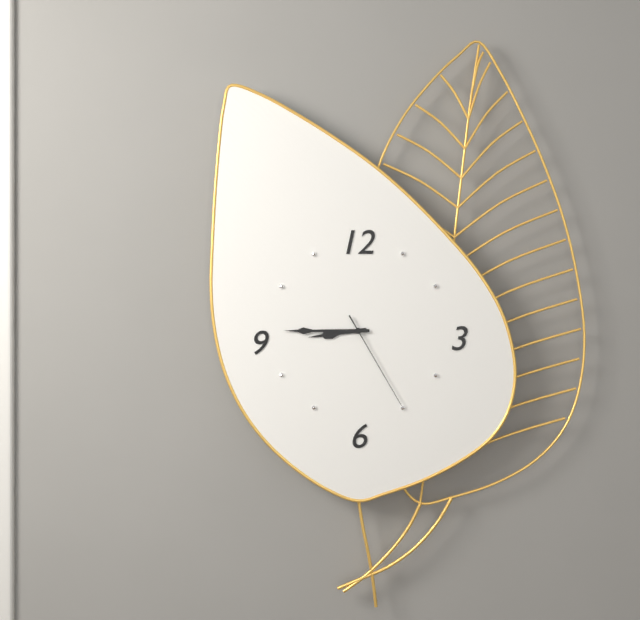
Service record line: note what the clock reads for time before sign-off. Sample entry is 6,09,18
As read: 8,45,25
